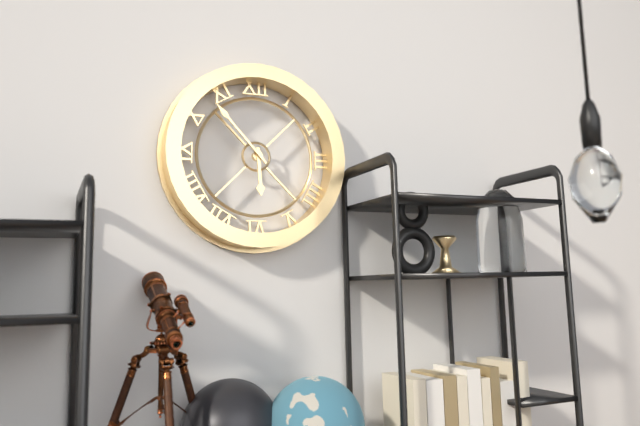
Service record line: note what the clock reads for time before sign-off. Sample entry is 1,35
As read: 5,53
